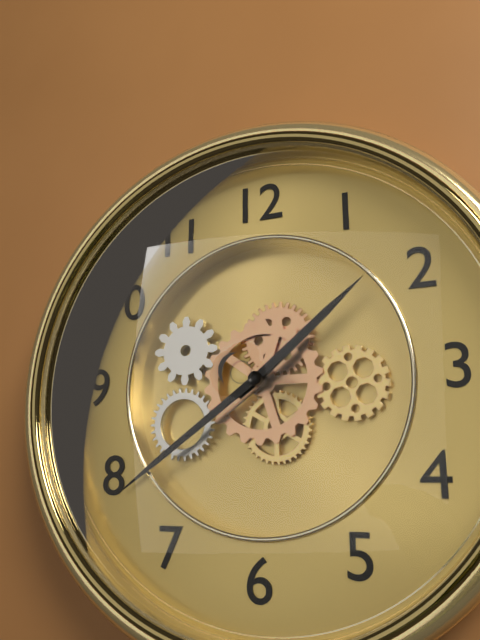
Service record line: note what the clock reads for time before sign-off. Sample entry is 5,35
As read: 1,39
